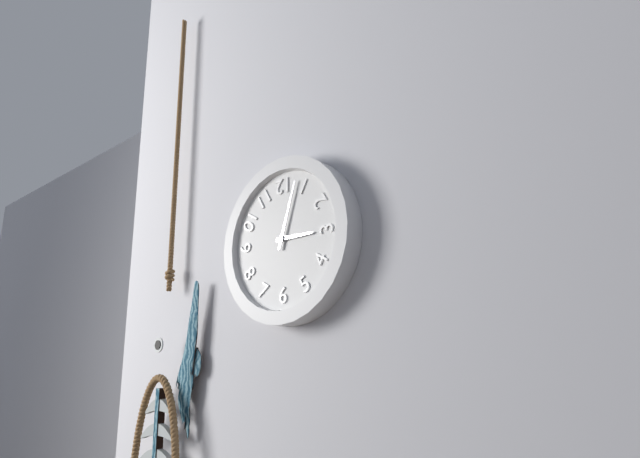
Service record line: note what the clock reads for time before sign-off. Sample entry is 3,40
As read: 3,03
